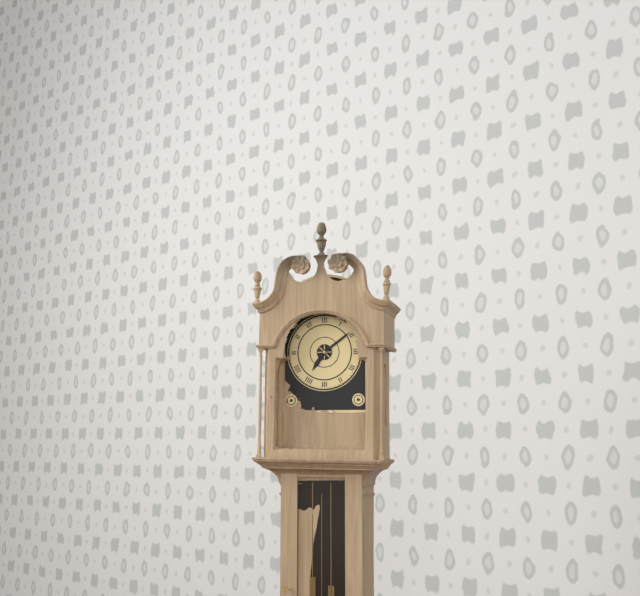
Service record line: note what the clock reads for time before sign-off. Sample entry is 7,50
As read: 7,09
